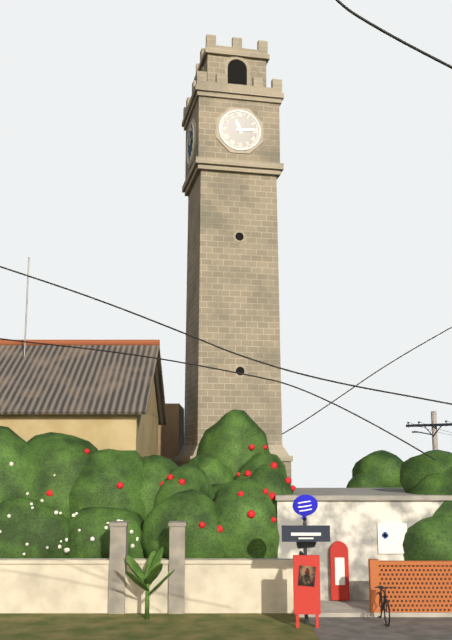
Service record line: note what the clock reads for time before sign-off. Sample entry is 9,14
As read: 11,14
